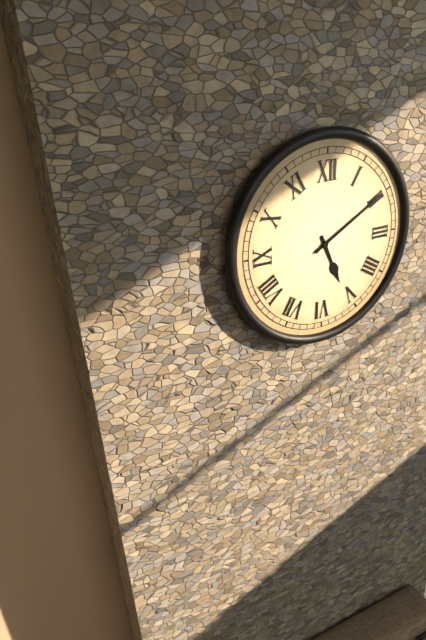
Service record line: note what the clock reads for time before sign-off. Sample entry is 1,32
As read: 5,10
